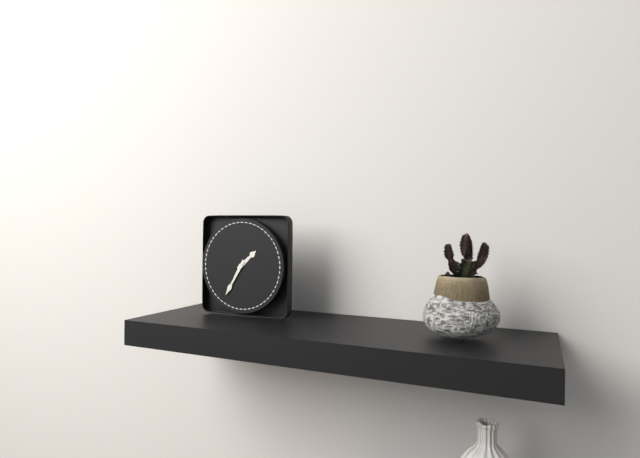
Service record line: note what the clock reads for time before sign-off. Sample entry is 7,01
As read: 1,35
